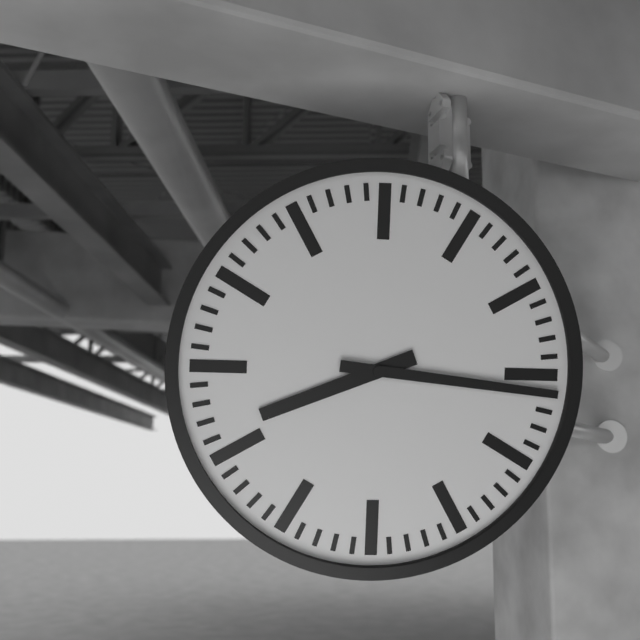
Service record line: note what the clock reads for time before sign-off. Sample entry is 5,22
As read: 8,16
